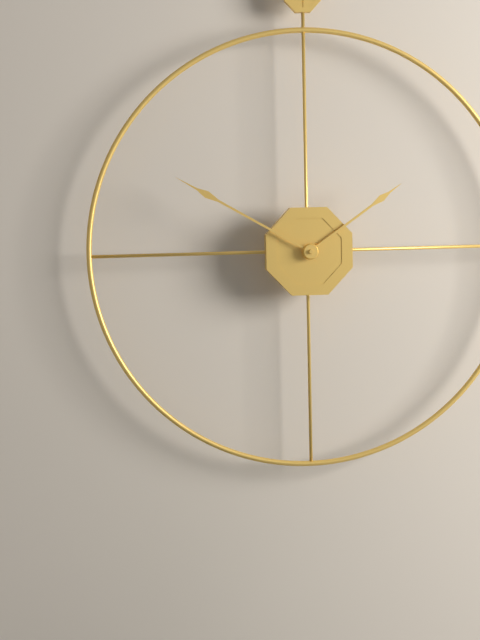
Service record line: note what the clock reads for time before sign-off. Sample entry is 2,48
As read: 1,50
